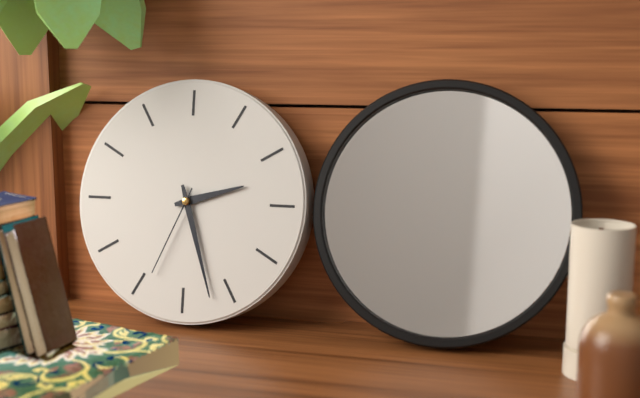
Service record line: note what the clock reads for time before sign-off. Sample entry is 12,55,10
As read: 2,27,34
